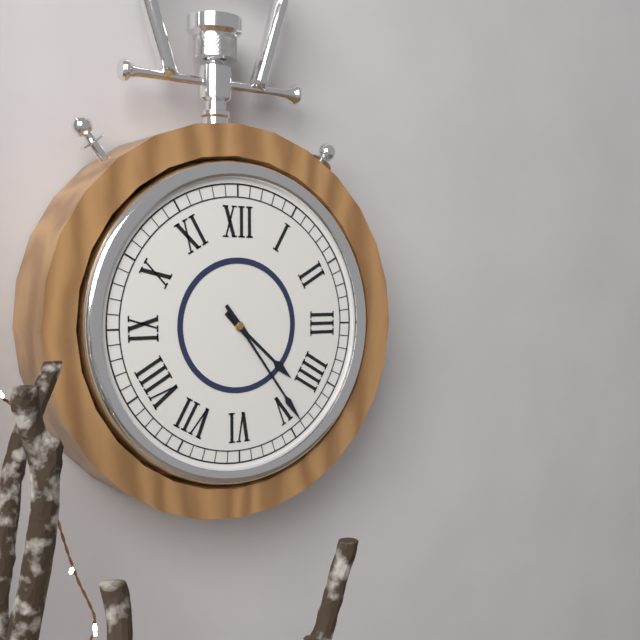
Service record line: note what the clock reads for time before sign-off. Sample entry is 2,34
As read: 4,24
